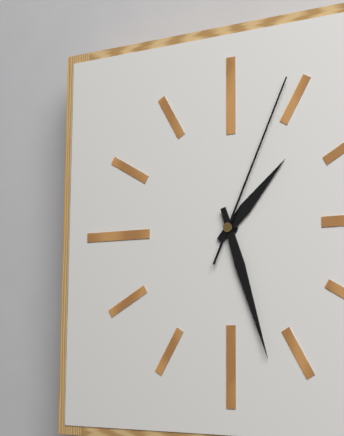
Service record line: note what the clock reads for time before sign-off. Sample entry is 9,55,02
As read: 1,27,04
